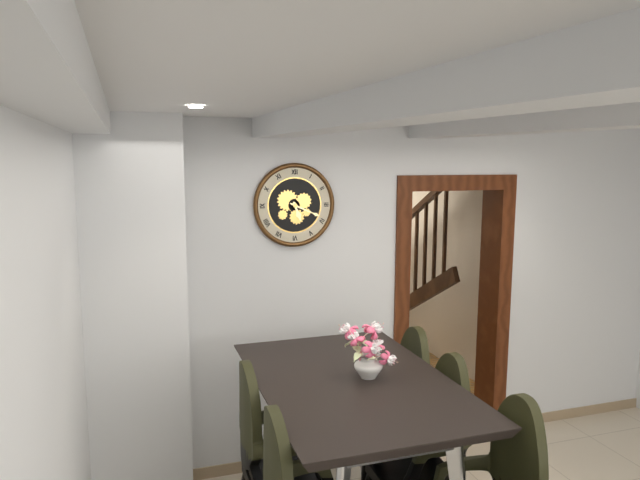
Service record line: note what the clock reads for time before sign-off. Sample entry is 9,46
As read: 5,19
